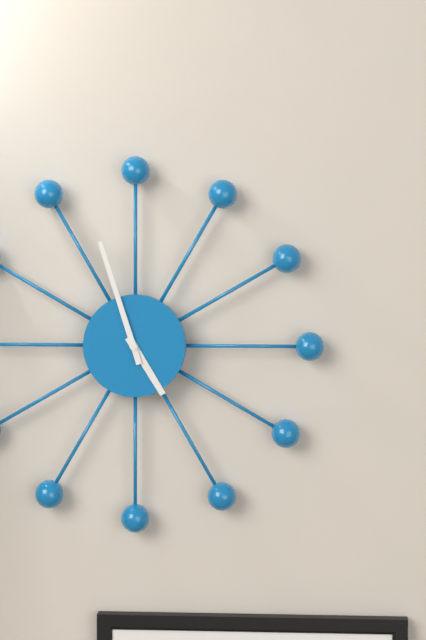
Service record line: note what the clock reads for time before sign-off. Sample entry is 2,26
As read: 4,57
